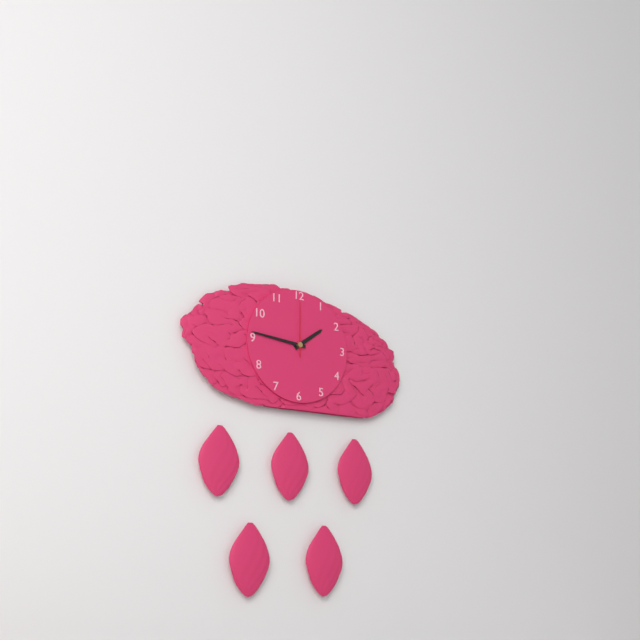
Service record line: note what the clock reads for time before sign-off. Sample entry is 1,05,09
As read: 1,46,00
